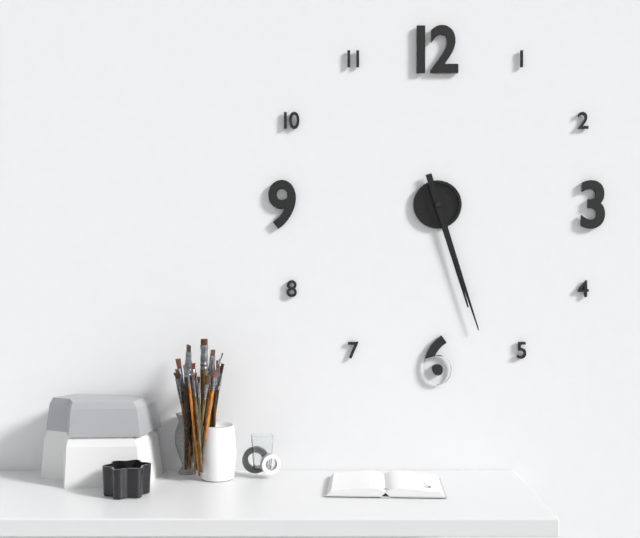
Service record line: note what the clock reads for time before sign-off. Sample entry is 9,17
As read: 5,27
